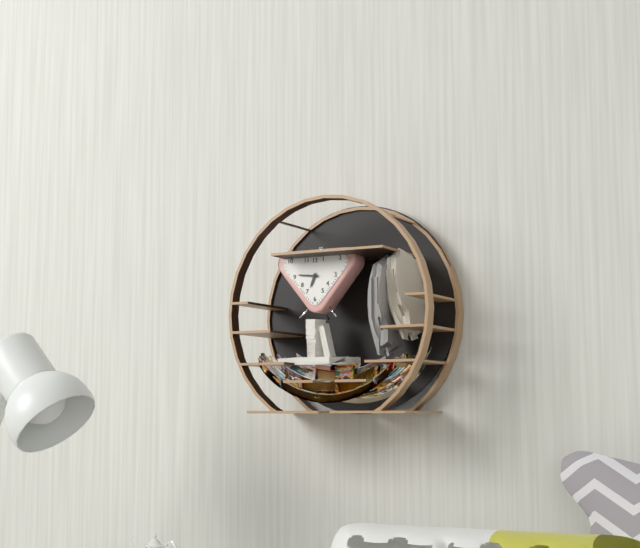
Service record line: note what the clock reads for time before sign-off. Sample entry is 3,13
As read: 6,46
